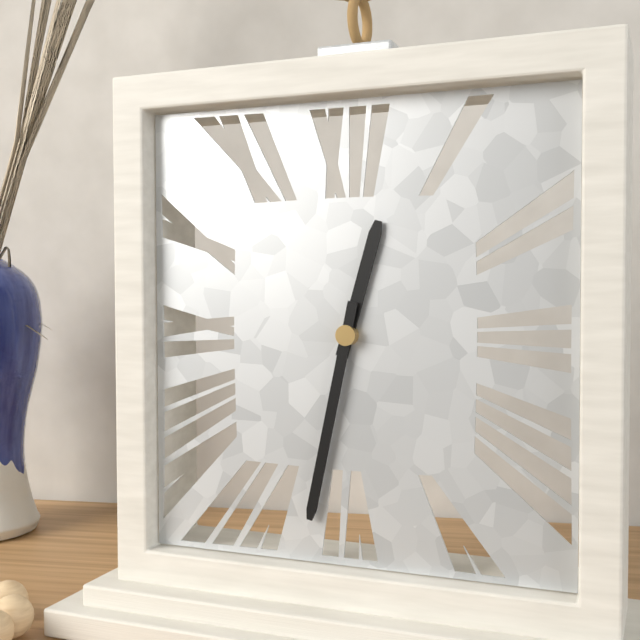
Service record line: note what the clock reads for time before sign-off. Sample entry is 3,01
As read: 12,32
